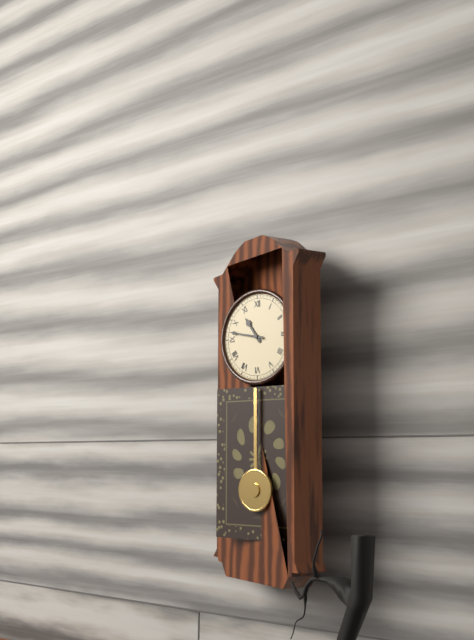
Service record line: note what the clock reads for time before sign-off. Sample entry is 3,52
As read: 10,47
